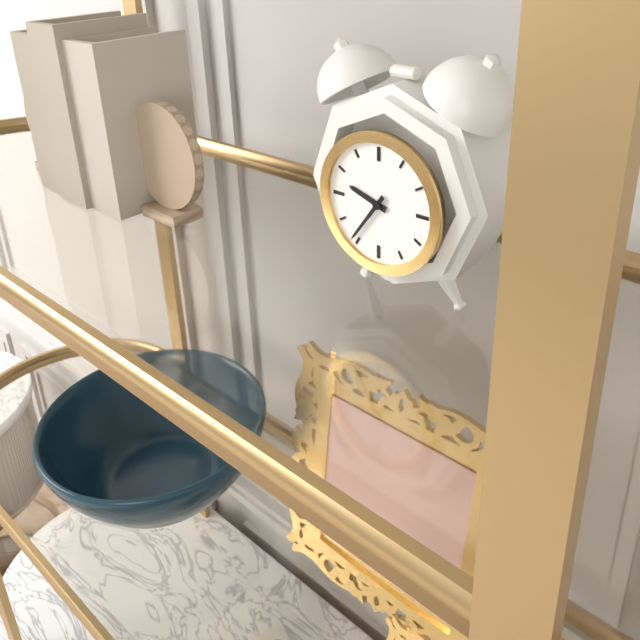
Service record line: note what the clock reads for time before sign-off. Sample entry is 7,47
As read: 9,36
